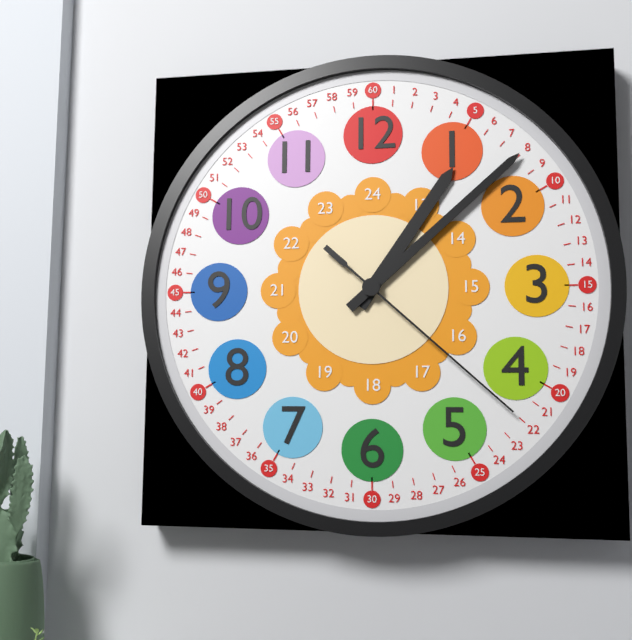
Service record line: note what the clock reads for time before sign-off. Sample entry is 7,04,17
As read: 1,08,22
